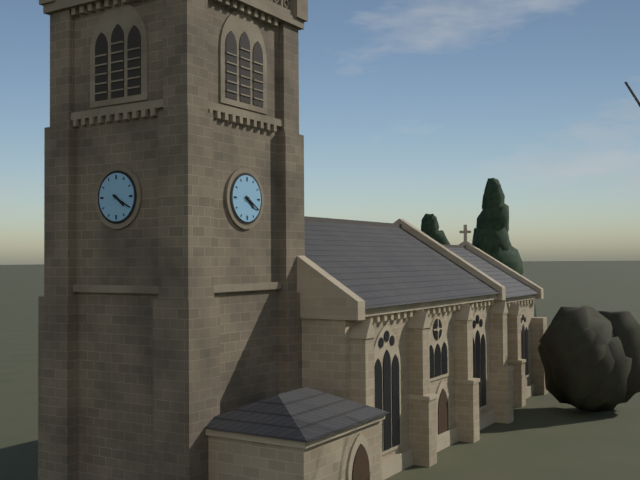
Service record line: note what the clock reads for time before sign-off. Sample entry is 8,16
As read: 4,20
